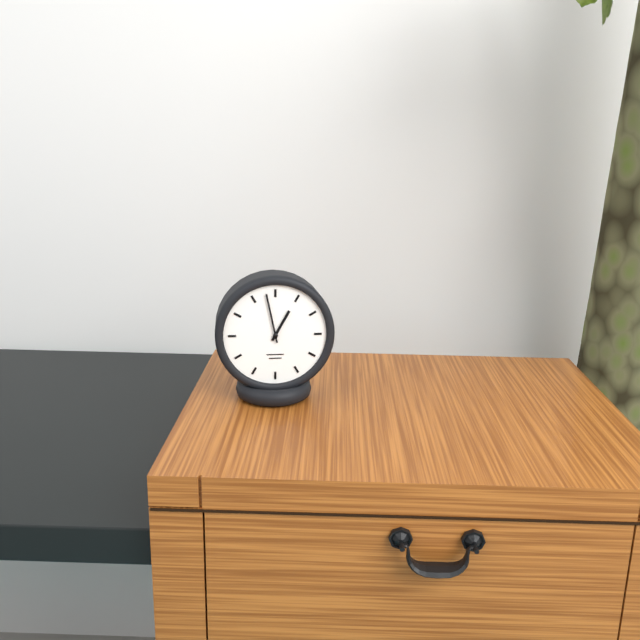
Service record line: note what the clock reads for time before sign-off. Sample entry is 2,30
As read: 12,58
